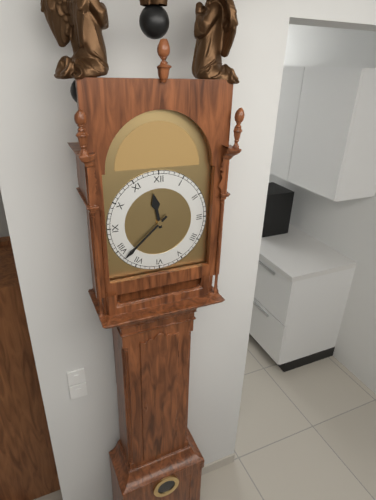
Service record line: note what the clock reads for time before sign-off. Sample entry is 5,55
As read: 11,38
